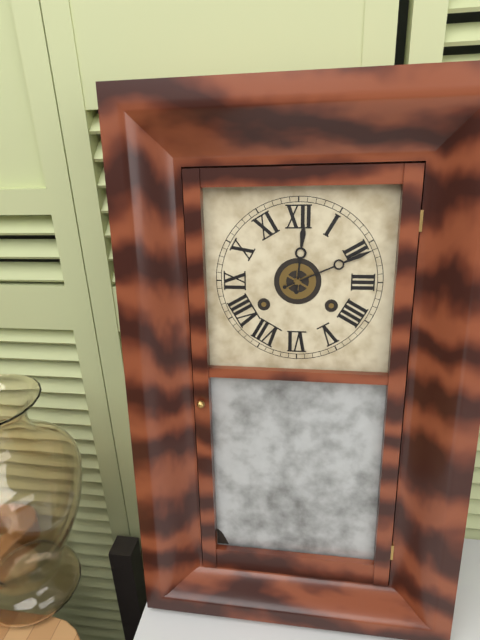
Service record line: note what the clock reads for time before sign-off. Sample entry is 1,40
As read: 12,11
